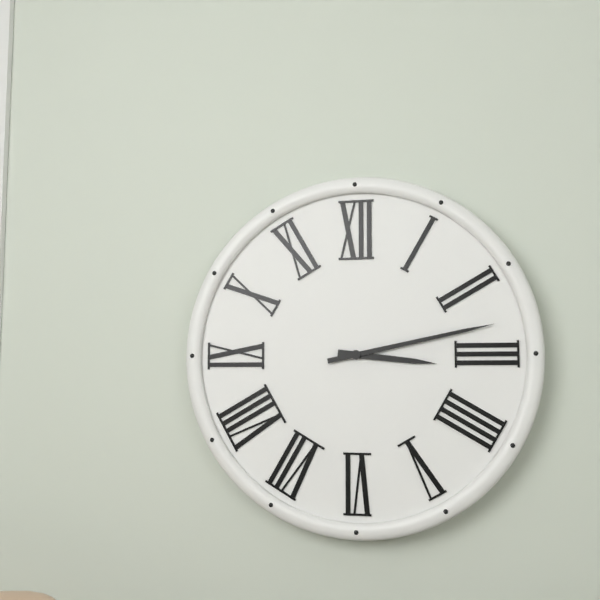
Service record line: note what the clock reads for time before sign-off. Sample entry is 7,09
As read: 3,13
